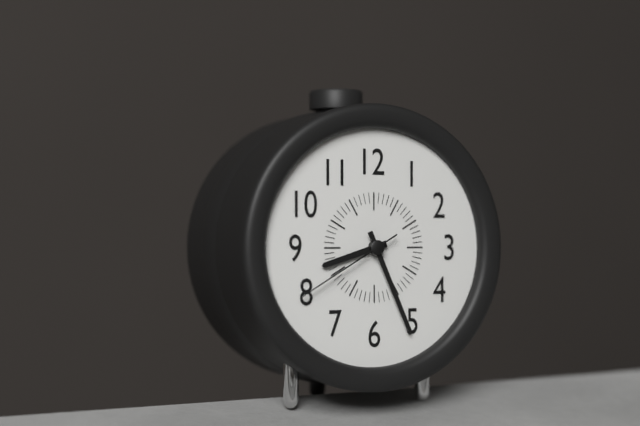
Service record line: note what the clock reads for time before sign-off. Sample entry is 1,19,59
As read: 8,26,40
